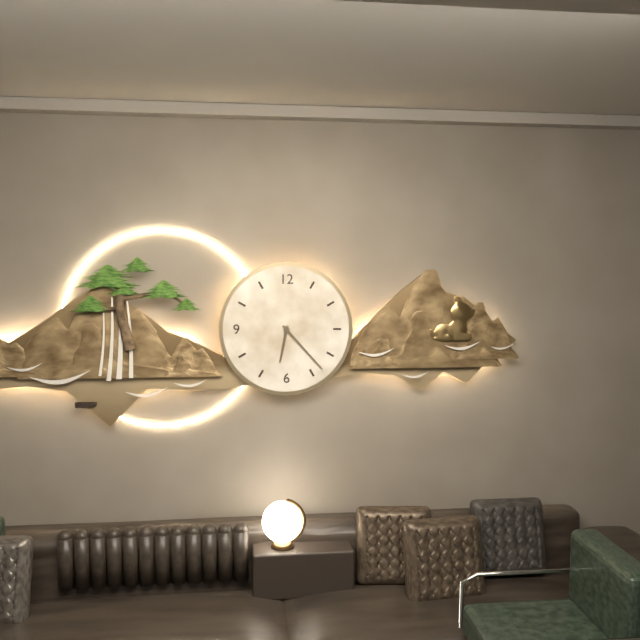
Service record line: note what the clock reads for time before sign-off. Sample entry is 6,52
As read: 6,23
